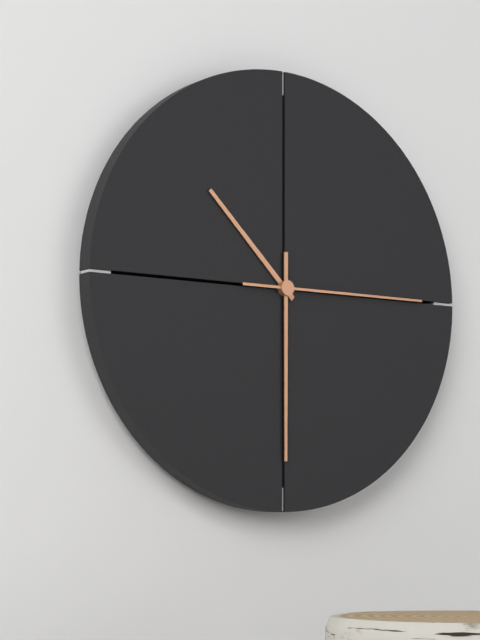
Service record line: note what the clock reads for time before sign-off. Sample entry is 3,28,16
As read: 10,30,15
